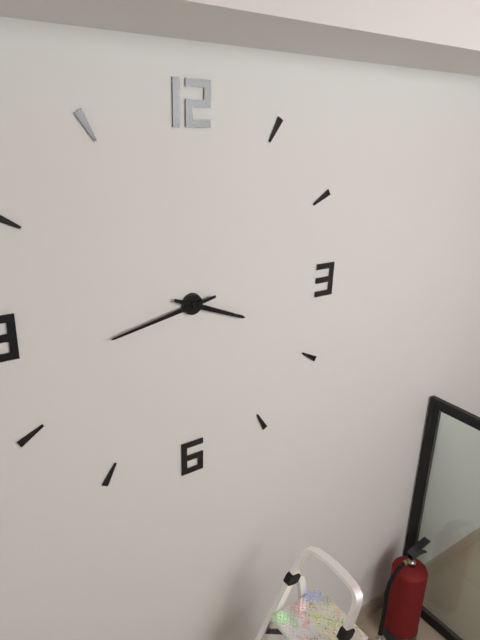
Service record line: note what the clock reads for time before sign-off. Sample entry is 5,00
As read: 3,43
